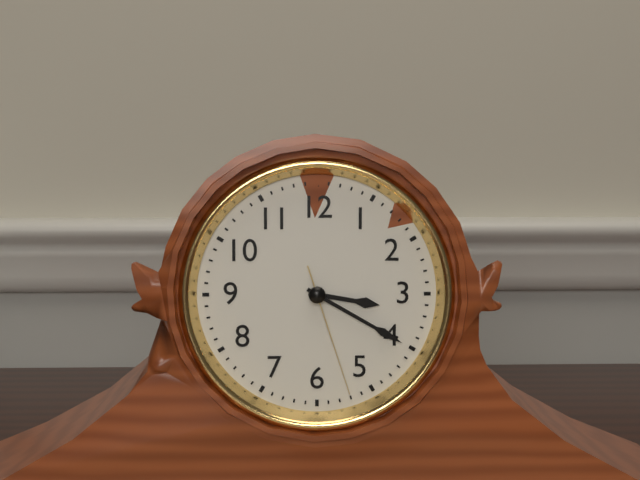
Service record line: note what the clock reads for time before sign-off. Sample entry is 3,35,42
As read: 3,20,27
